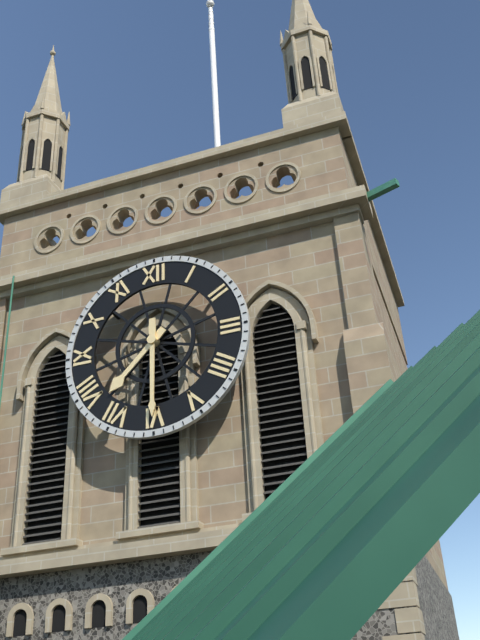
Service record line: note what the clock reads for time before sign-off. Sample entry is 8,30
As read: 7,30
